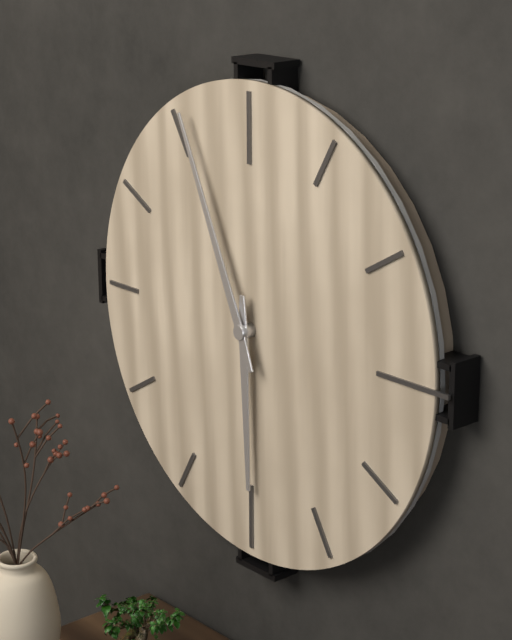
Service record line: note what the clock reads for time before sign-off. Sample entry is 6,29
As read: 5,56
